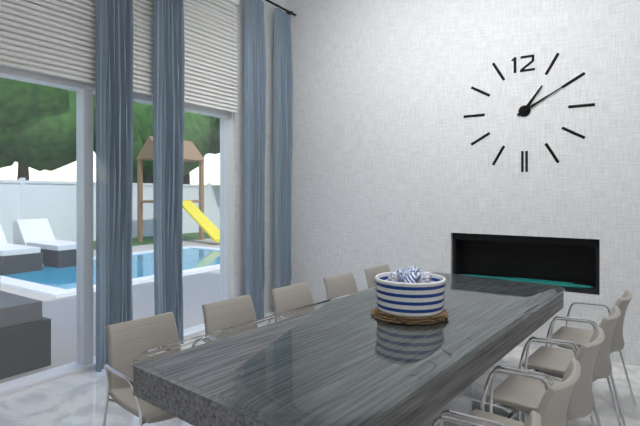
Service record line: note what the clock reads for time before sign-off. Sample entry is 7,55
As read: 1,10
